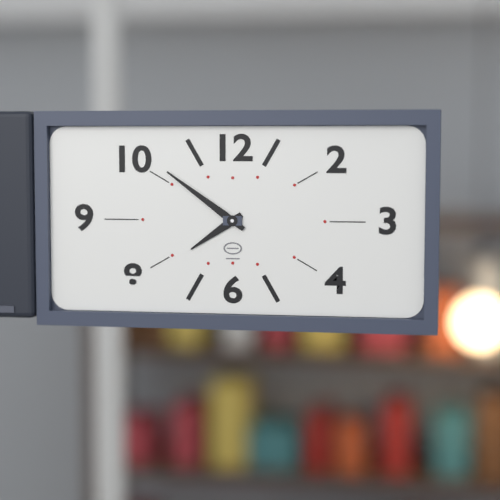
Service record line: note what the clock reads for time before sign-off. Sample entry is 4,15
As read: 7,51
